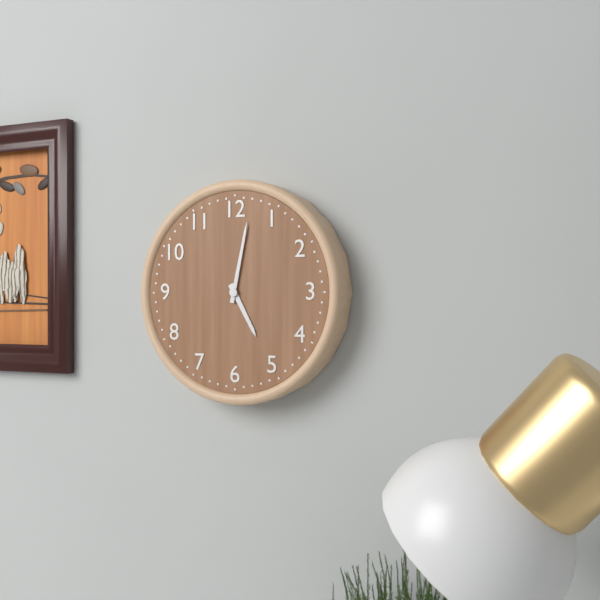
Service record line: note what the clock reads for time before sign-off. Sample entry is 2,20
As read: 5,02
